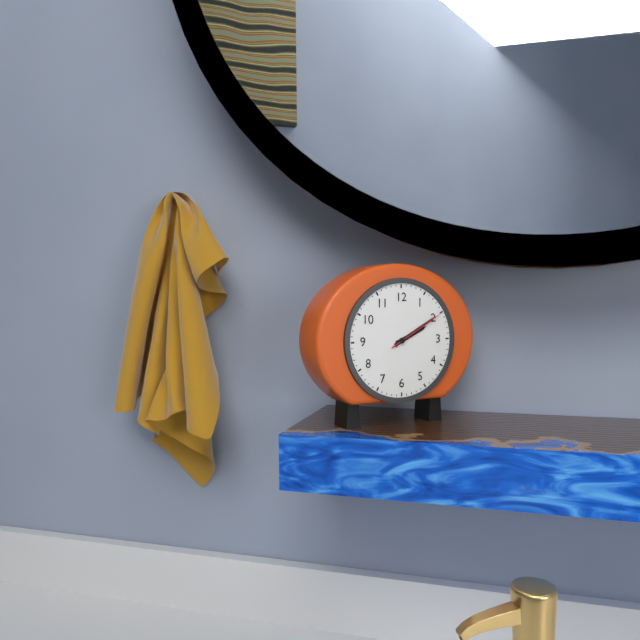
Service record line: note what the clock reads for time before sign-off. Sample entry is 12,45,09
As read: 2,10,10
